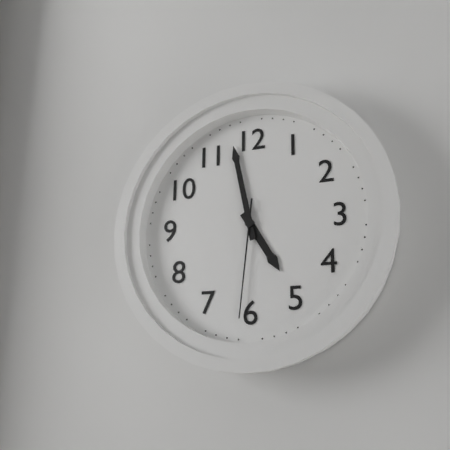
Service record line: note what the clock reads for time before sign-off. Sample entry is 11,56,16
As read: 4,58,31
